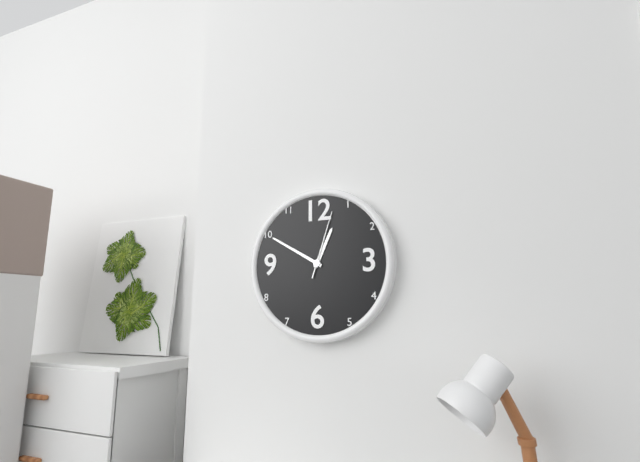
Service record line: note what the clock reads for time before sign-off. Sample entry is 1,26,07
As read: 12,50,03
